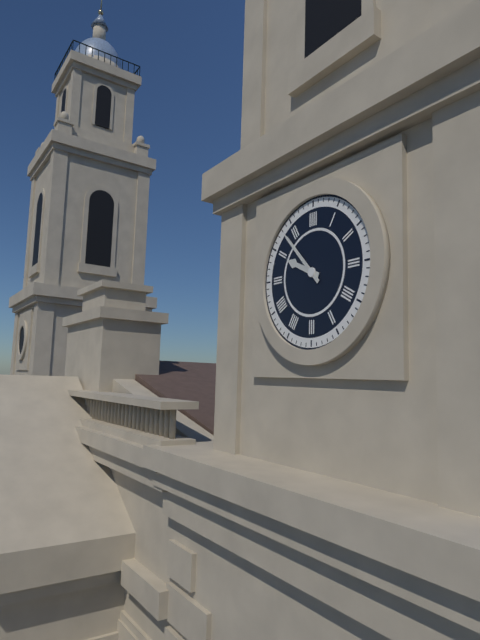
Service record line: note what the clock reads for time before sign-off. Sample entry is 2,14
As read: 9,53
